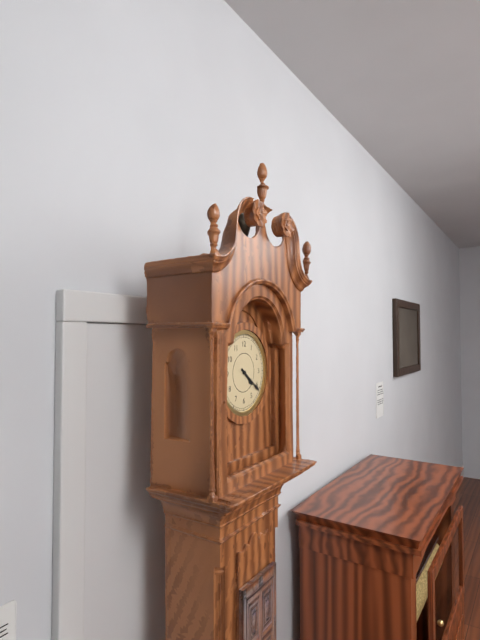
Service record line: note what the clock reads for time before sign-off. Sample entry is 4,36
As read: 4,21
